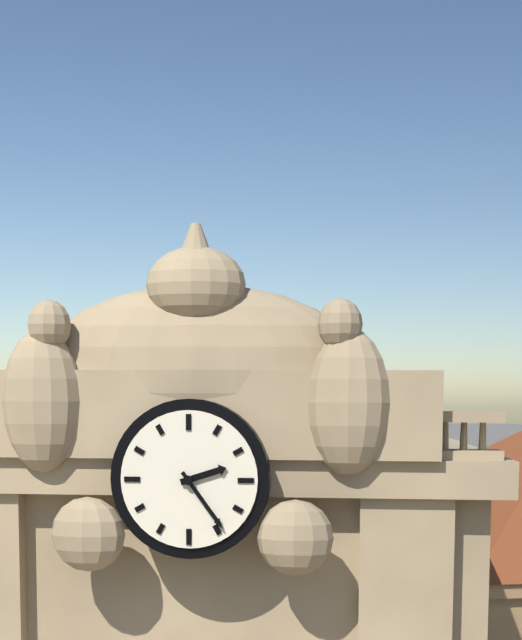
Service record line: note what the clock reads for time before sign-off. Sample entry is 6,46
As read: 2,24
